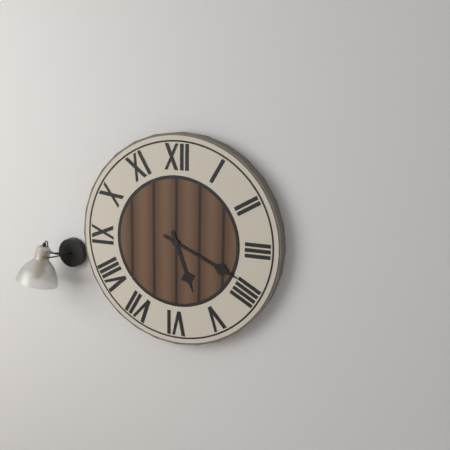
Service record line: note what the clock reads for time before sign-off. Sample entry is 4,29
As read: 5,19
